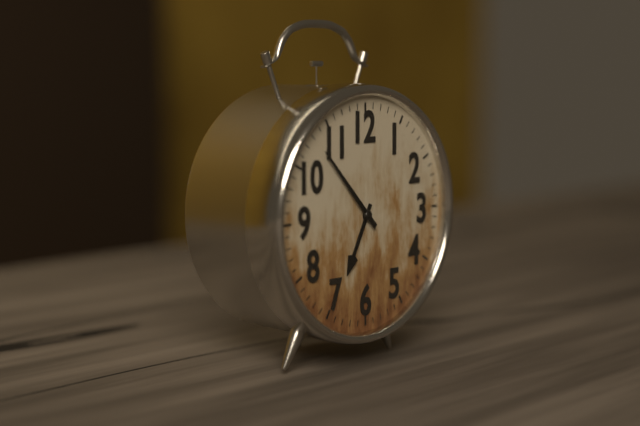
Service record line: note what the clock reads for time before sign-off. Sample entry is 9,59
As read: 6,53
